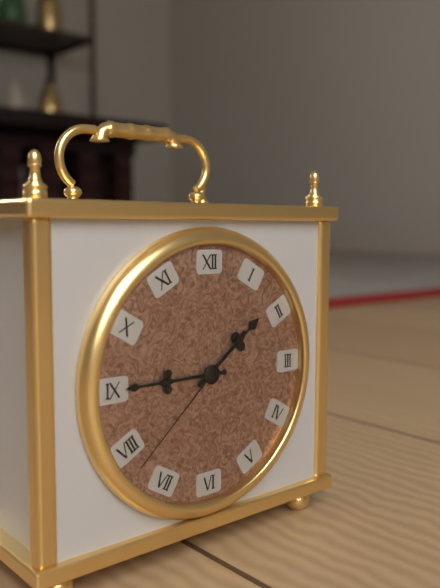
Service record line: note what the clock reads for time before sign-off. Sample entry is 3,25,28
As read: 1,45,38
